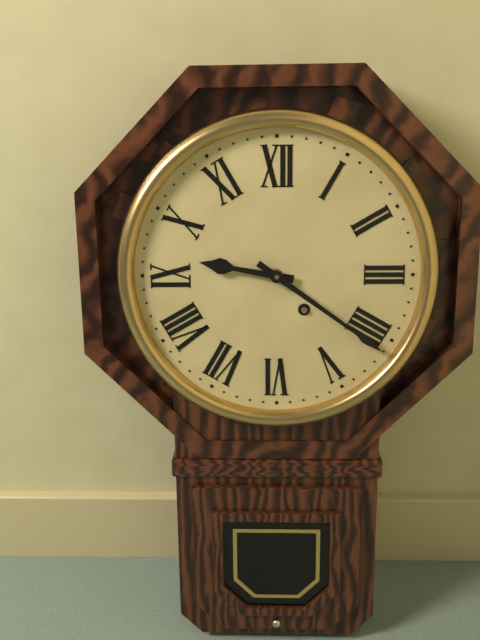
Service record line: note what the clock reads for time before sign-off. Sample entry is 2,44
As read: 9,21
